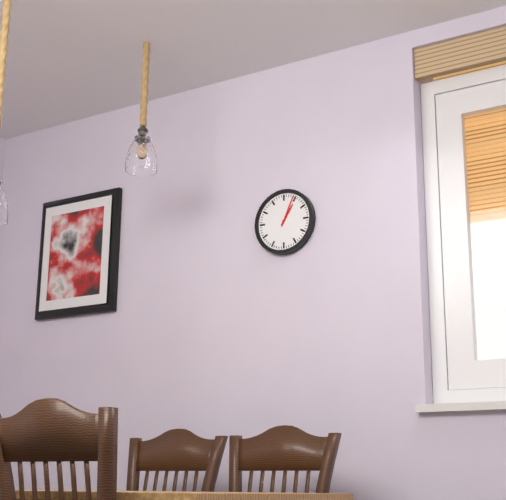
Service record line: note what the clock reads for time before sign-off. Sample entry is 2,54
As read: 1,04
